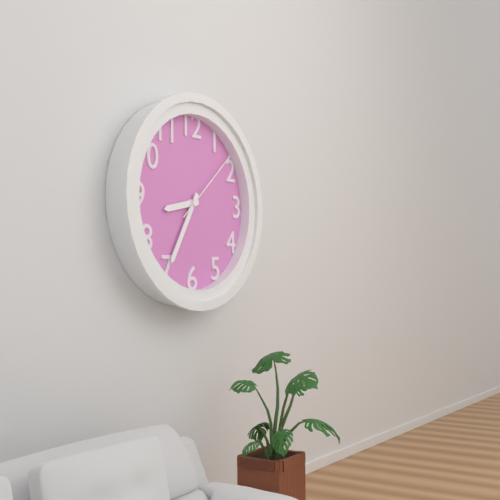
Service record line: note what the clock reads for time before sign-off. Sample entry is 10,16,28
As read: 8,35,08
